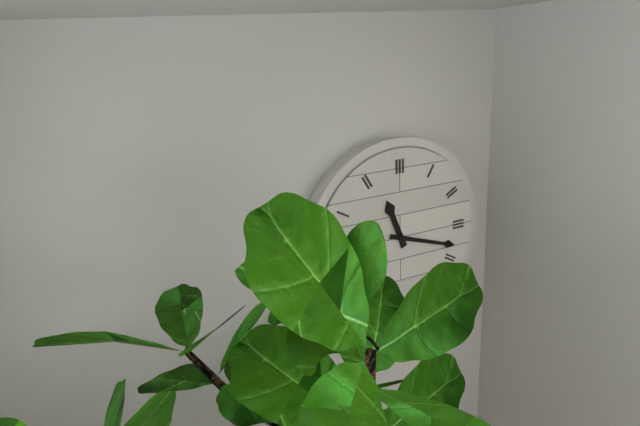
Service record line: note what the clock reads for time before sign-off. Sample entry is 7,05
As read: 11,18
